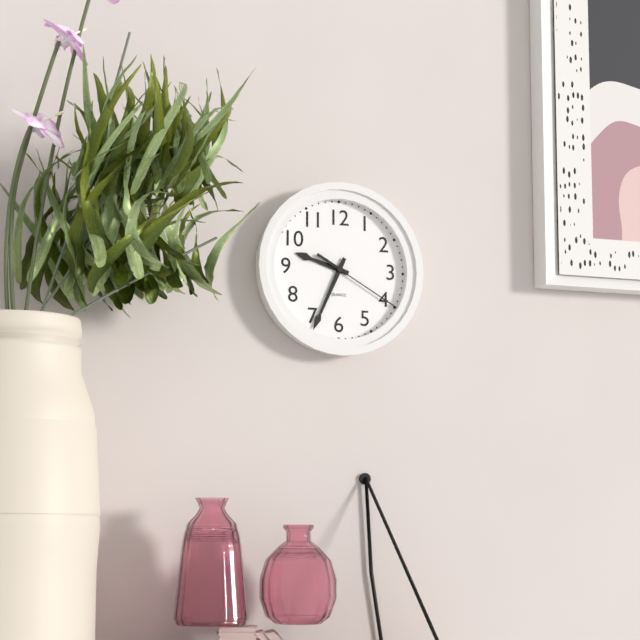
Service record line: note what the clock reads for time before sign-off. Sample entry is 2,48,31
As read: 9,34,20
